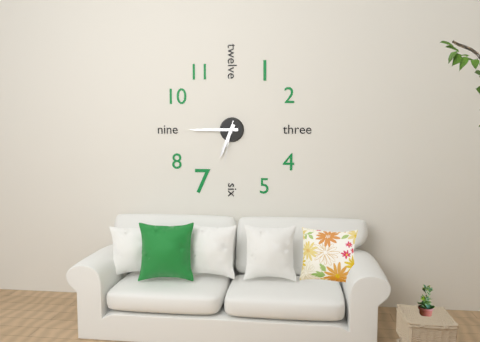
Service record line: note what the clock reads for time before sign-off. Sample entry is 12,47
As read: 6,45
